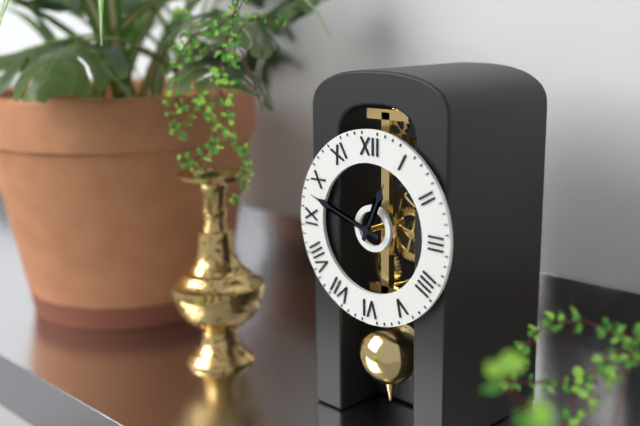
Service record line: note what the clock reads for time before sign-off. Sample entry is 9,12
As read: 12,48
